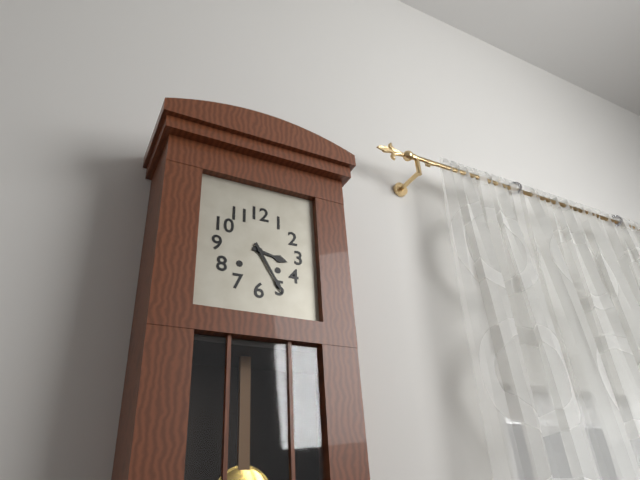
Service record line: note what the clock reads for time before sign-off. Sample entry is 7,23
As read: 3,25
